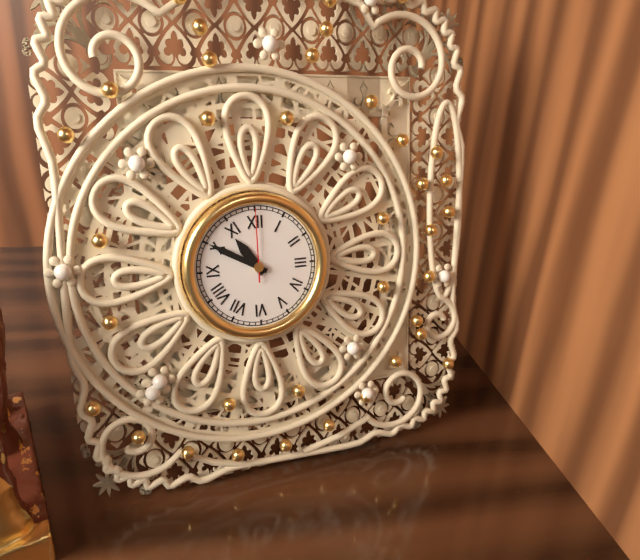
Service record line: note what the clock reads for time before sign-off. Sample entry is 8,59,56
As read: 10,50,00
